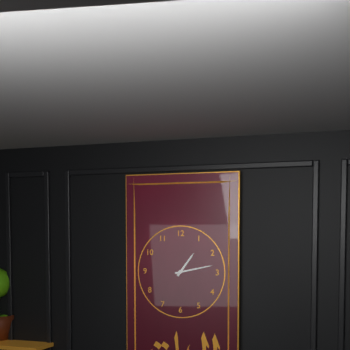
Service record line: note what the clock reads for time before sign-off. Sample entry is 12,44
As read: 1,13
